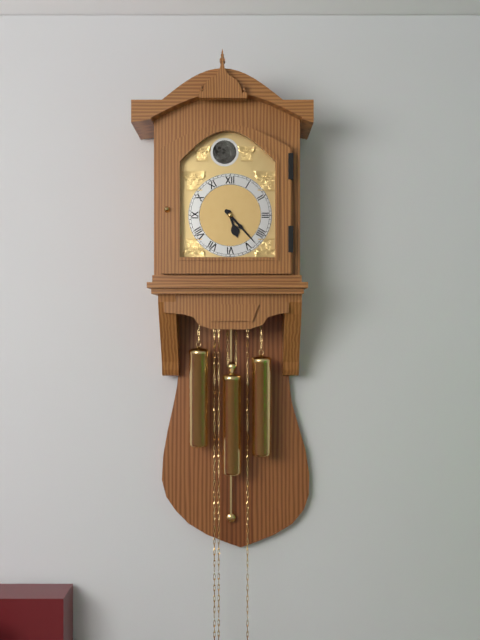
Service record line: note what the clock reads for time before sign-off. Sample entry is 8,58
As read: 5,23
